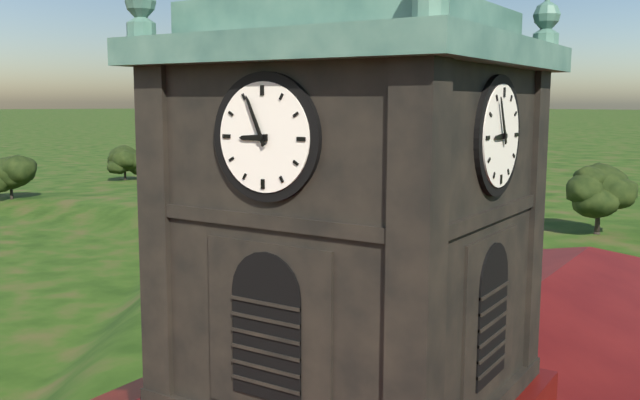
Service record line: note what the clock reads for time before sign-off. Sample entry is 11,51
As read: 8,56
